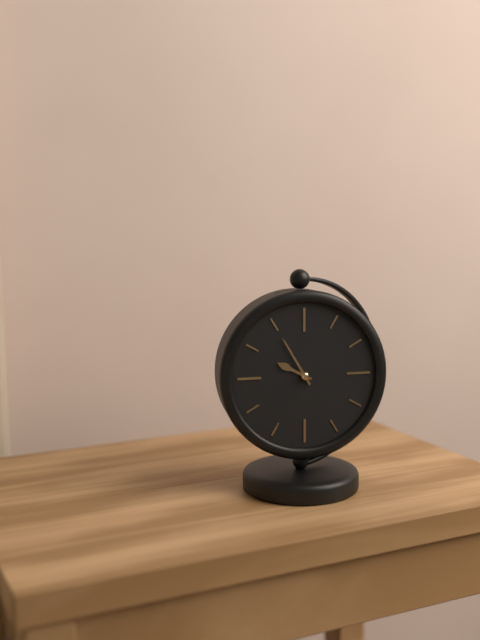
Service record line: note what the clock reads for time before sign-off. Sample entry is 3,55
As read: 9,55
